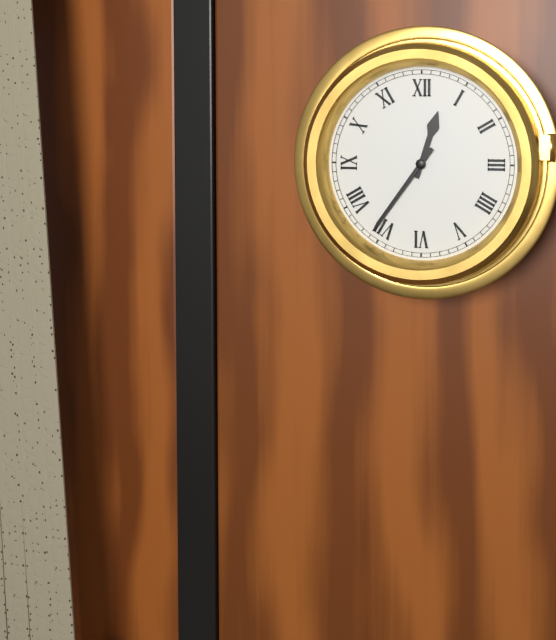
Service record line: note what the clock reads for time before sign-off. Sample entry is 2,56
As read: 12,36
